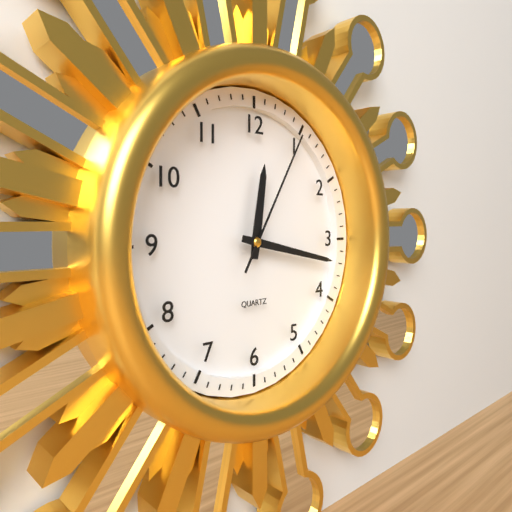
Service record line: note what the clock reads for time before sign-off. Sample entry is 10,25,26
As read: 12,17,05
